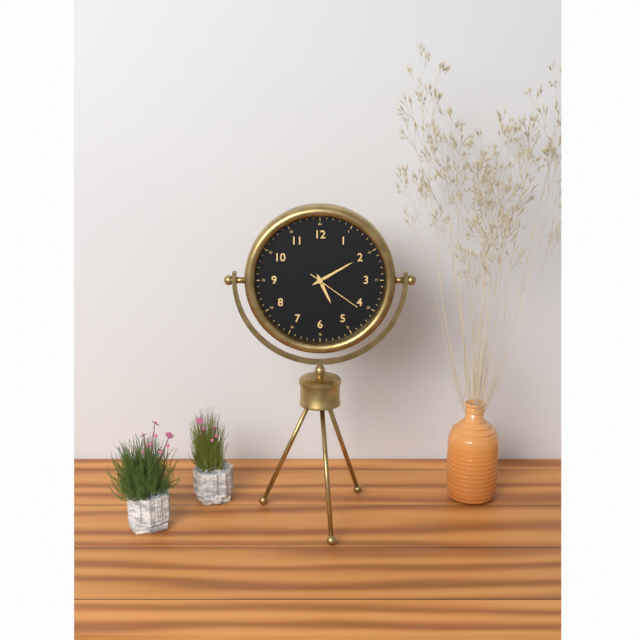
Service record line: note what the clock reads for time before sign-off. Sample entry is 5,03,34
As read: 5,10,21
